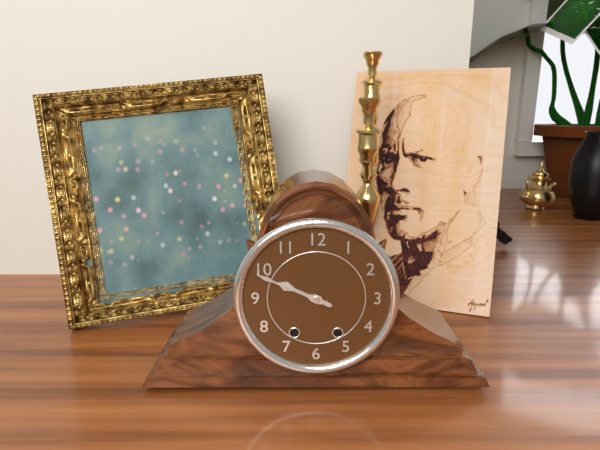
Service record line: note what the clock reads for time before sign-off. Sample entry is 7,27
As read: 9,49
